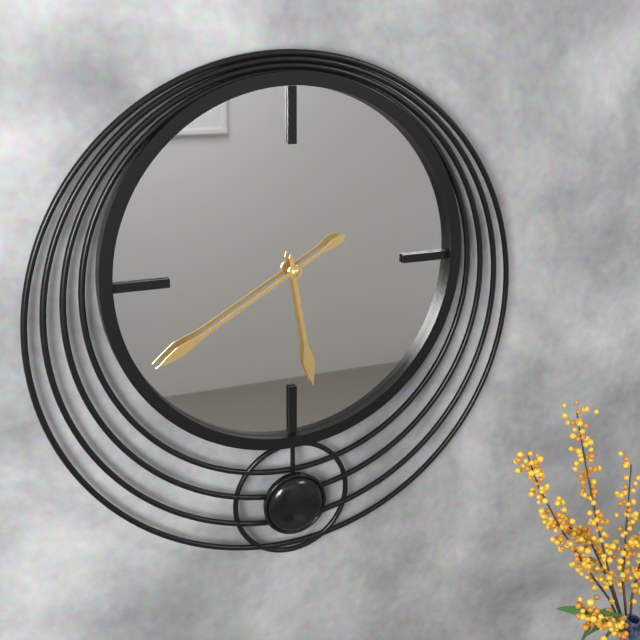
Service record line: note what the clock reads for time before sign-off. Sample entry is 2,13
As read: 5,40
